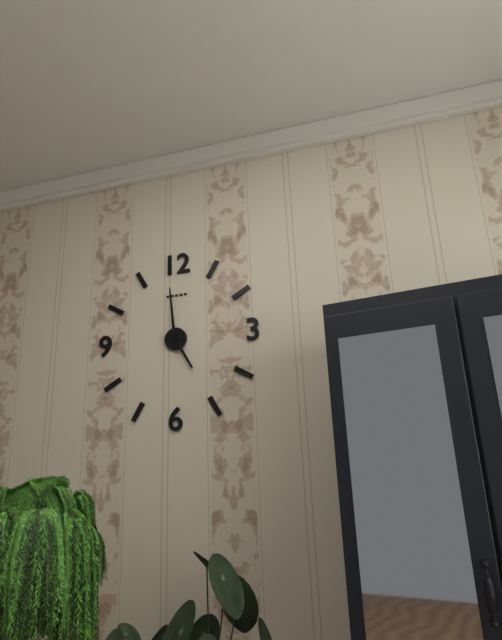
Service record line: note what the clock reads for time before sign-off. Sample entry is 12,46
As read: 4,59
